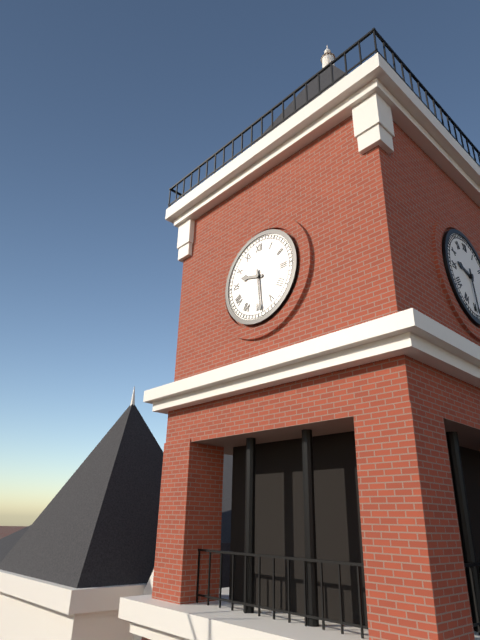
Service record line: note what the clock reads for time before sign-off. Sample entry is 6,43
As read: 9,29
